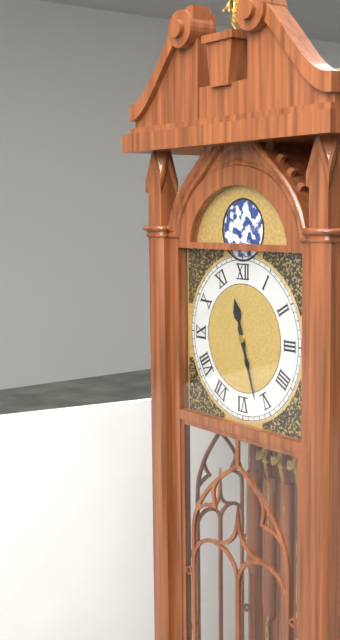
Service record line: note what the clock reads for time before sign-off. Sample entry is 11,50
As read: 11,27
